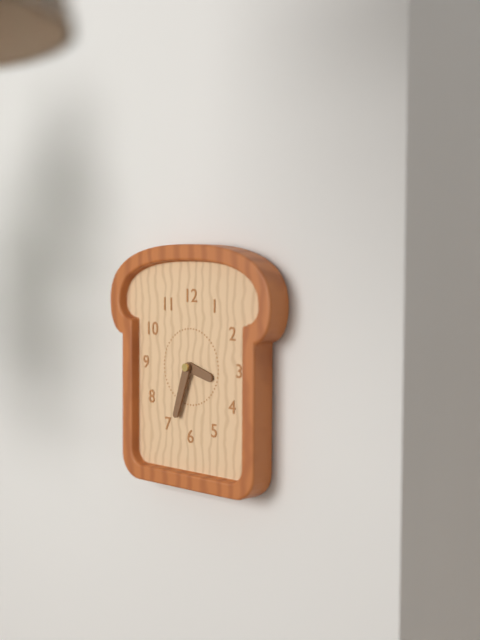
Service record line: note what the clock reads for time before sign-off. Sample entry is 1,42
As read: 3,33
